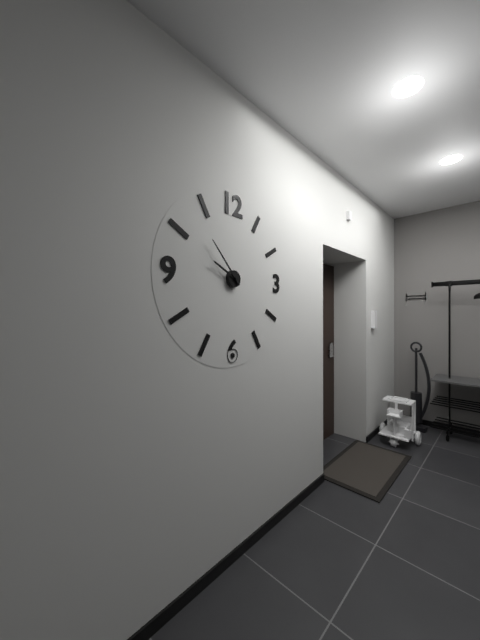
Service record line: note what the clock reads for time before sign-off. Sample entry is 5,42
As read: 9,53
